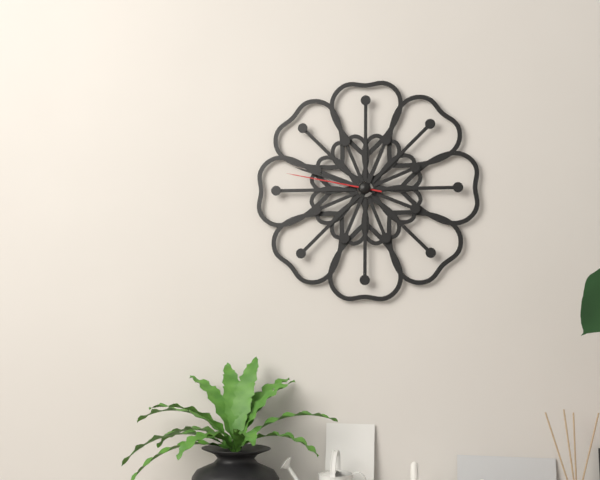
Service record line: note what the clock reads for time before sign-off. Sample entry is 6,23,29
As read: 12,48,47
